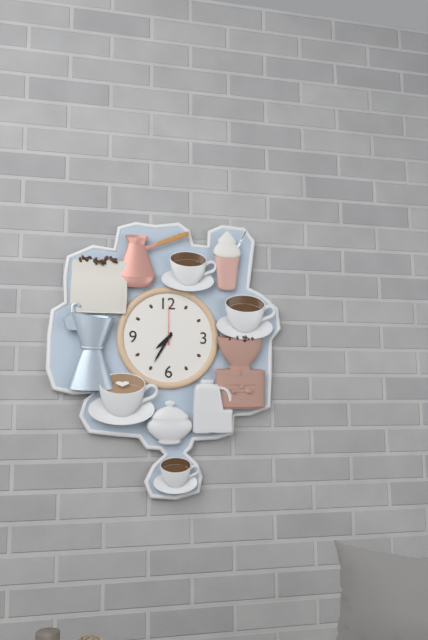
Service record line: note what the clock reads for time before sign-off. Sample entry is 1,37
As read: 7,35
